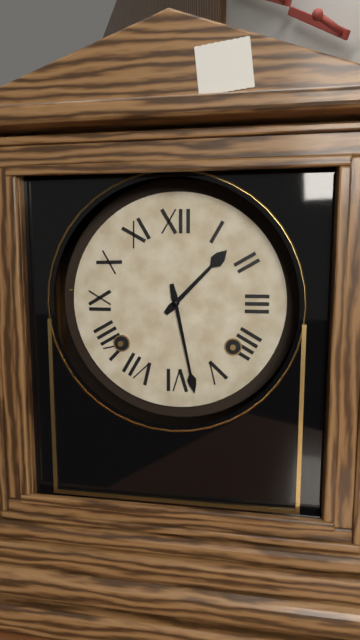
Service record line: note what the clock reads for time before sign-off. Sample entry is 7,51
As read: 1,28
